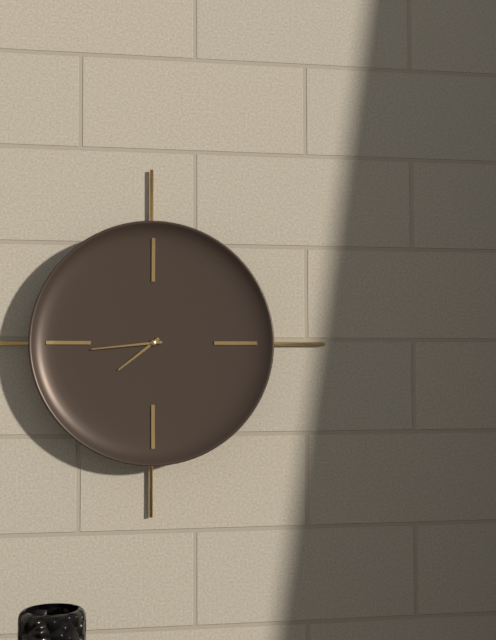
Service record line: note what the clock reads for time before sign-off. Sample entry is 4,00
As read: 7,44
